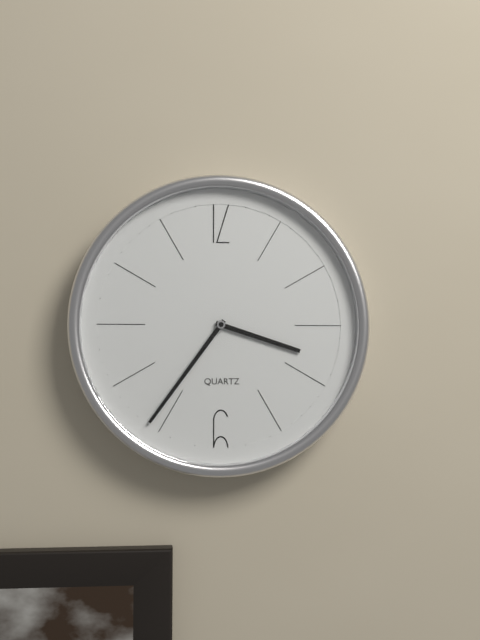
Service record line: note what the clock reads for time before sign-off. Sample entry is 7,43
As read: 3,36
